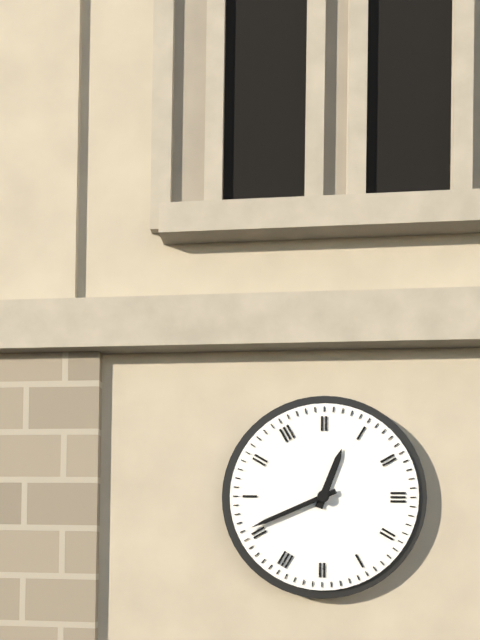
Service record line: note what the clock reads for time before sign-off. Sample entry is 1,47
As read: 12,41
